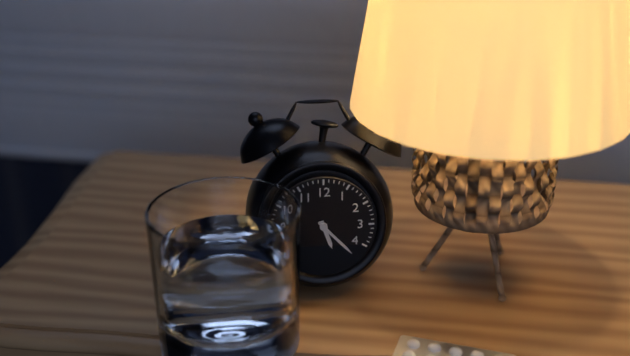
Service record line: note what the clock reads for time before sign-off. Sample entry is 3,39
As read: 5,23
